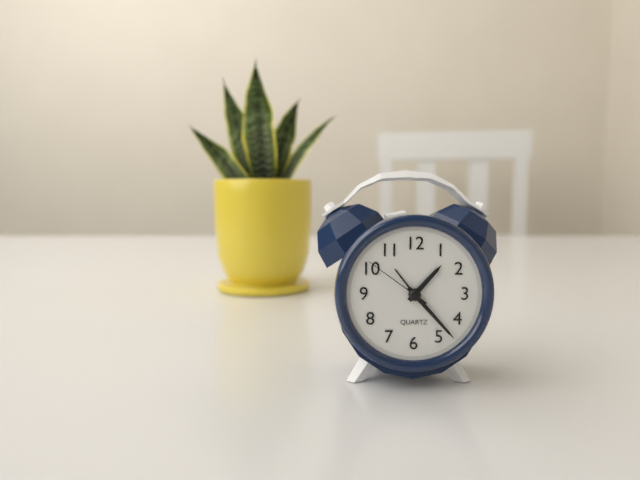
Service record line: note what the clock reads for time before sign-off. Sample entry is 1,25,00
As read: 1,23,51
